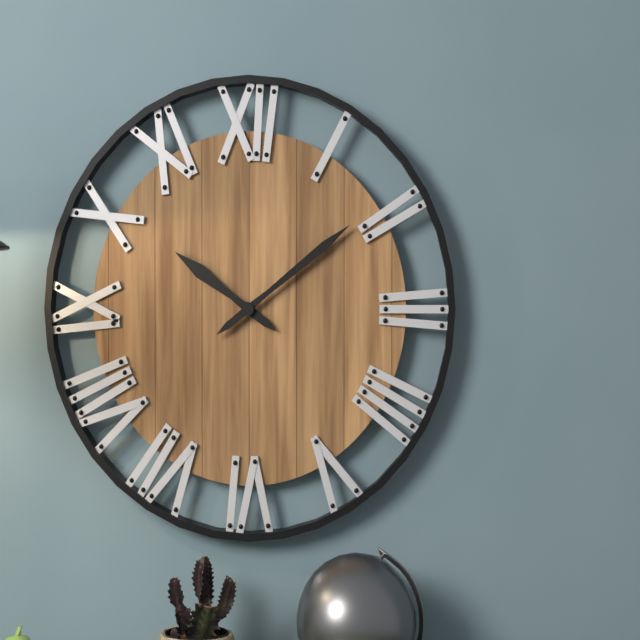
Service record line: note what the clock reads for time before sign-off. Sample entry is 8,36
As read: 10,09
